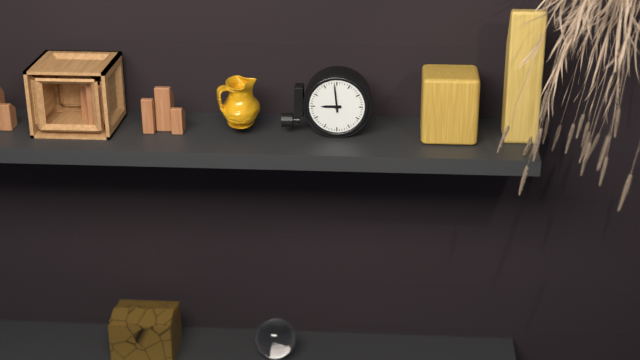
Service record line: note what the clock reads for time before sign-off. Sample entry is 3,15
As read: 8,59
